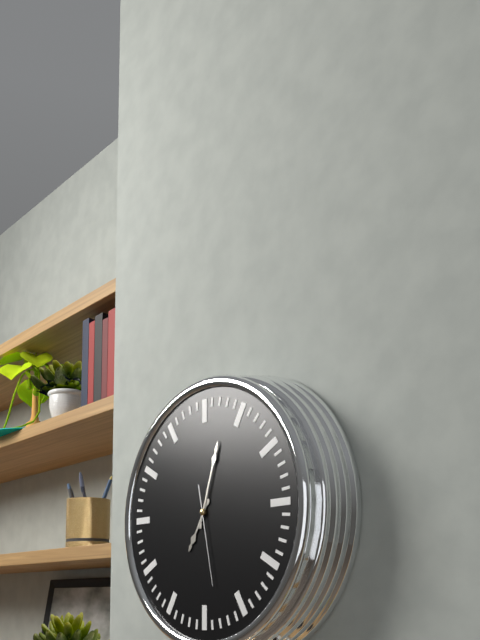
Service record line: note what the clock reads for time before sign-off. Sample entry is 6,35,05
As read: 7,03,28
